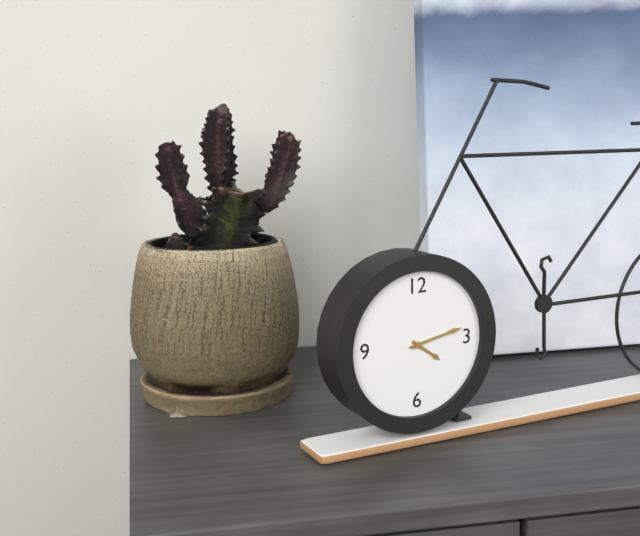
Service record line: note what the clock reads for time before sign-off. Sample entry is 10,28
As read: 4,13
